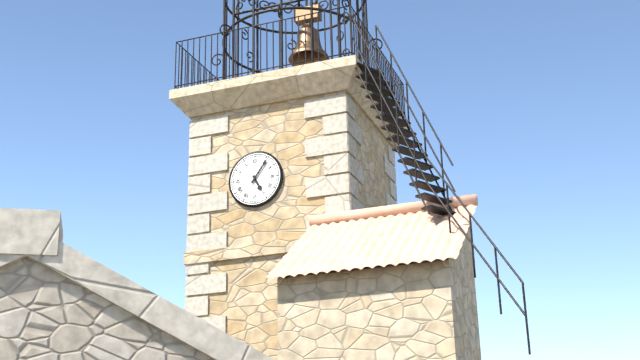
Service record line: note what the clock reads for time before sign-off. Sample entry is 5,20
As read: 5,06
